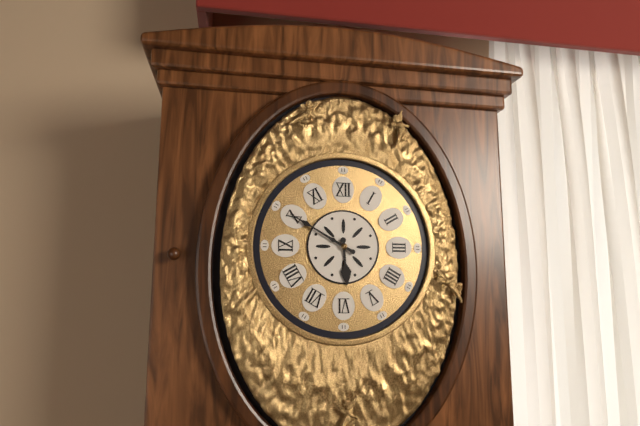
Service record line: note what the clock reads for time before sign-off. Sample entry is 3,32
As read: 5,50
